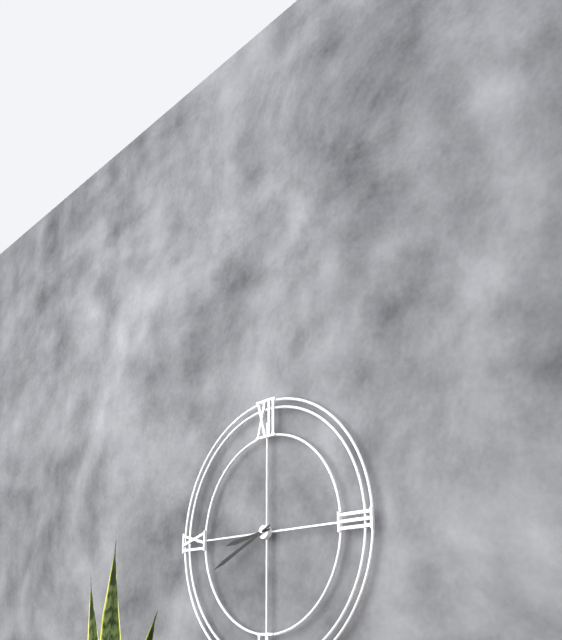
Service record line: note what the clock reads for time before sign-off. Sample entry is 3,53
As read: 8,41
